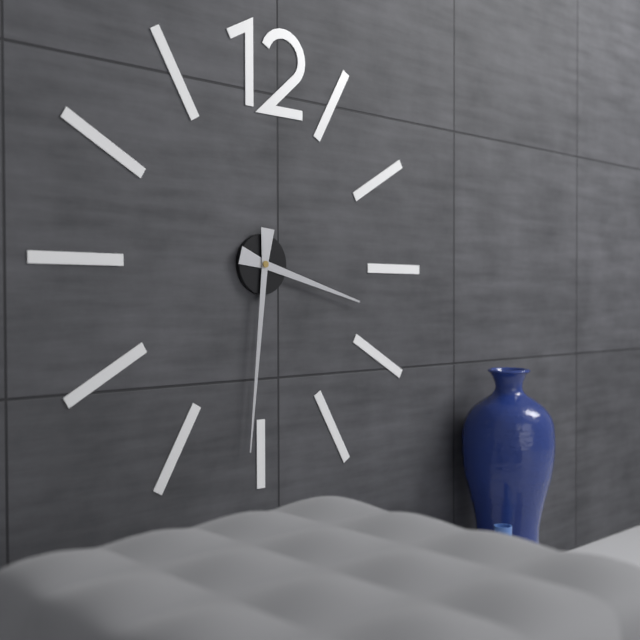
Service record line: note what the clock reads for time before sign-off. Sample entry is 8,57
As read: 3,31
